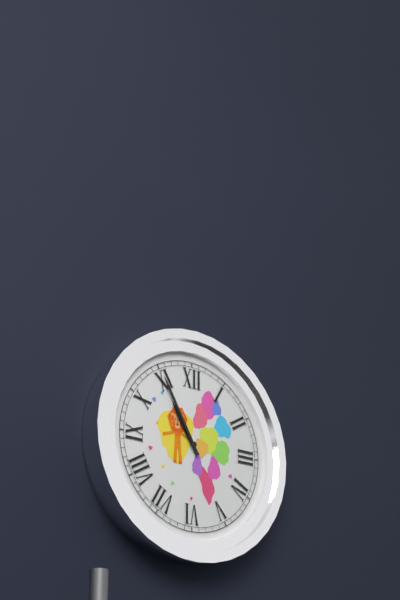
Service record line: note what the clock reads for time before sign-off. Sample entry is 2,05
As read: 10,55
